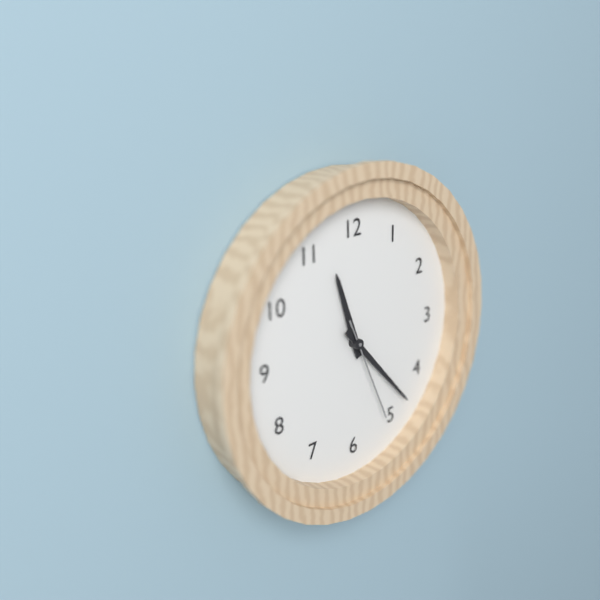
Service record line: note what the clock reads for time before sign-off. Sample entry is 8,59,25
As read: 11,23,26
